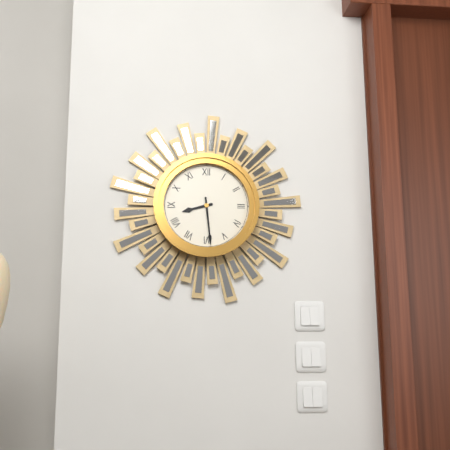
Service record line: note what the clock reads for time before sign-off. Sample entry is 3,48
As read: 8,29
